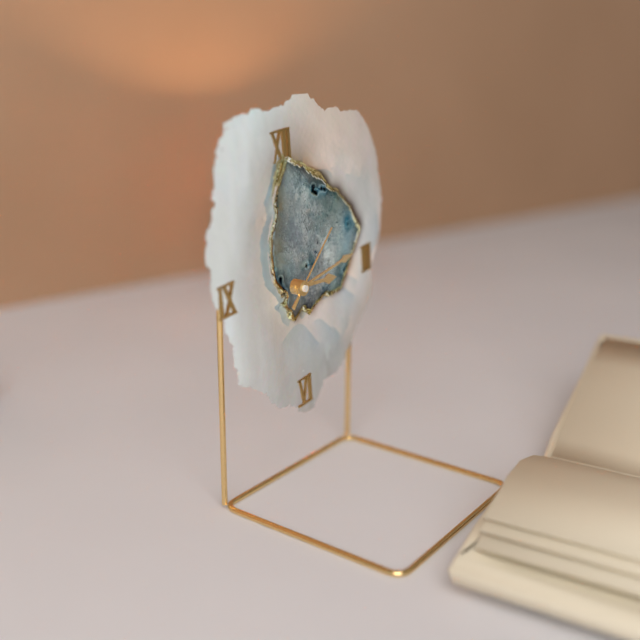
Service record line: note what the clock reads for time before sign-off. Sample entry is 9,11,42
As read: 3,14,08
